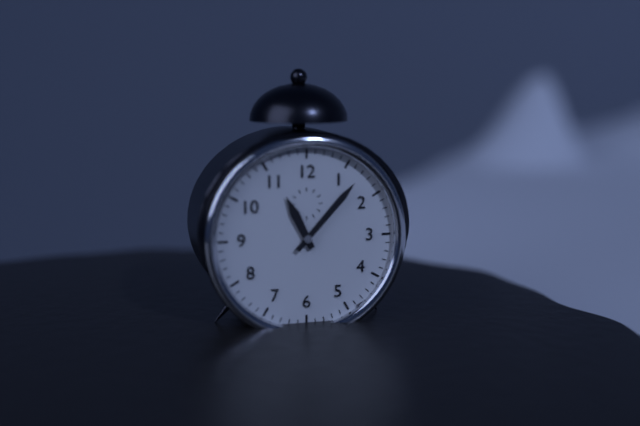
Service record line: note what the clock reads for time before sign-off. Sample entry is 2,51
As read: 11,07
